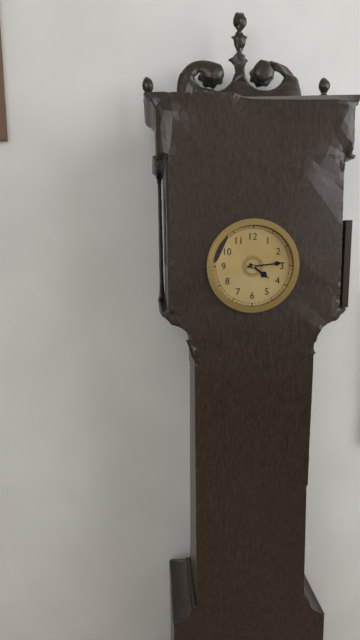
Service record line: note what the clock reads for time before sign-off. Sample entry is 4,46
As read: 4,14
